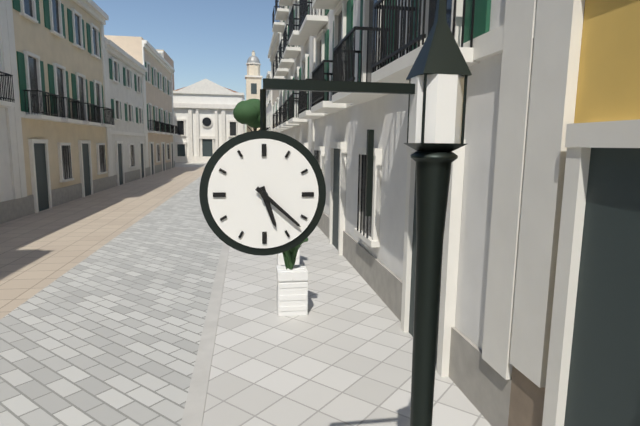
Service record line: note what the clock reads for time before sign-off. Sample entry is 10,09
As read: 5,22
